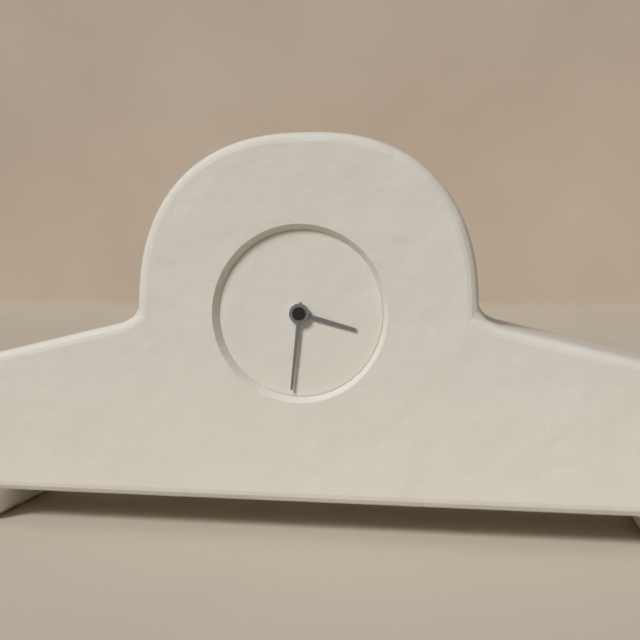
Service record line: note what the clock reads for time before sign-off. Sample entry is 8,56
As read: 3,31
